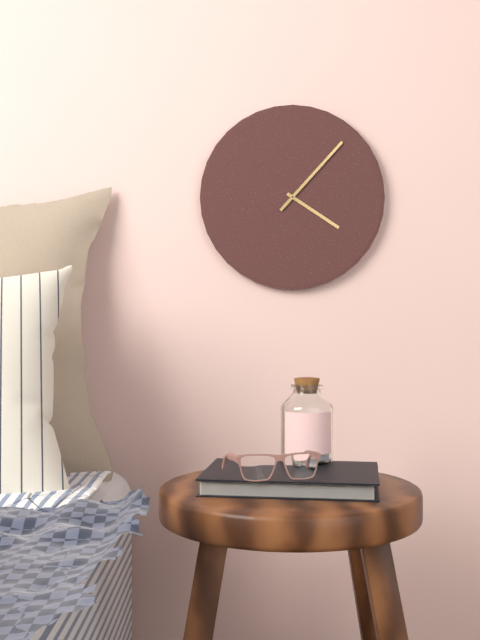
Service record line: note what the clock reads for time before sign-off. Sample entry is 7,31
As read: 4,07
